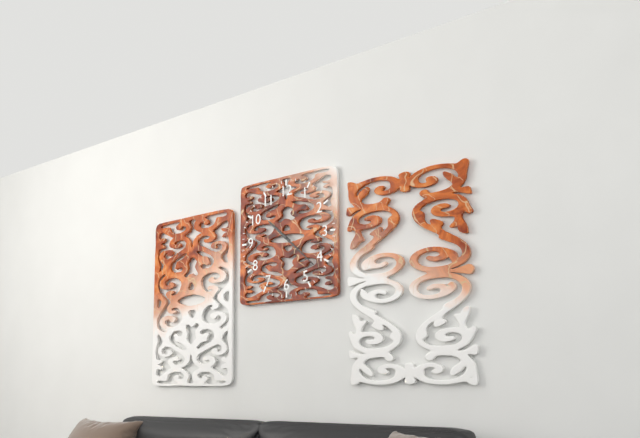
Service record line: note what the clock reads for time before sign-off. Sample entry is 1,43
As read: 10,22
